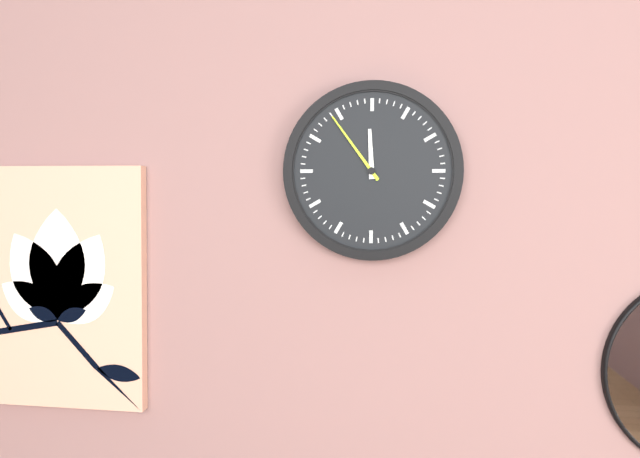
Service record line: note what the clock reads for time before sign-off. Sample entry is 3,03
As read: 11,54
